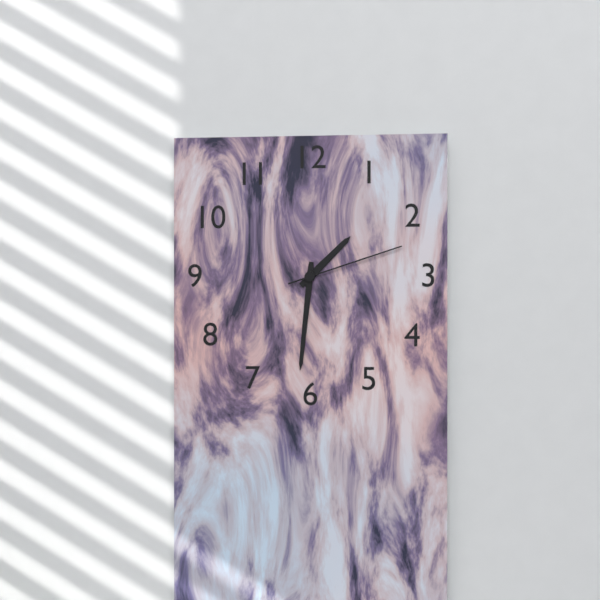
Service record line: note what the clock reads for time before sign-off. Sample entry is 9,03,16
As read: 1,31,12
